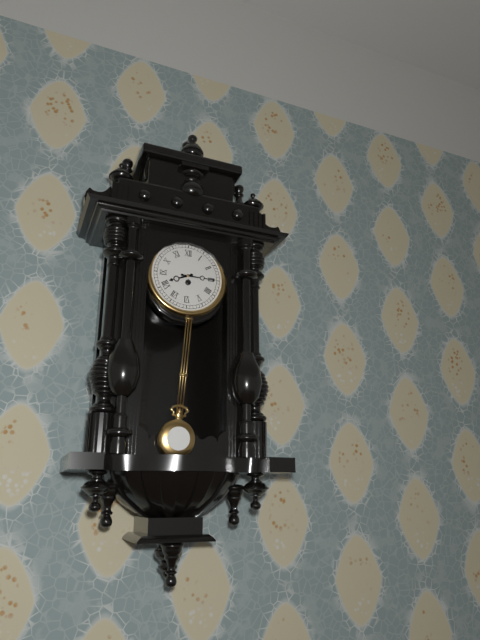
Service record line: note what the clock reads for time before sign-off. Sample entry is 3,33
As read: 8,15
